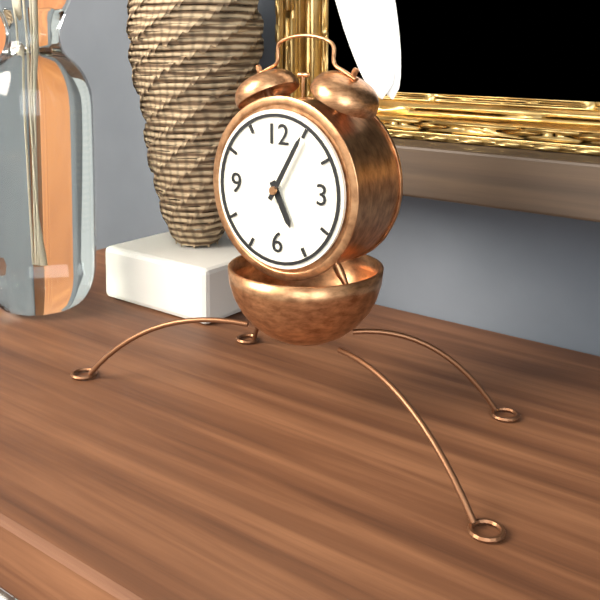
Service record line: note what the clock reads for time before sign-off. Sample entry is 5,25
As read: 5,05
